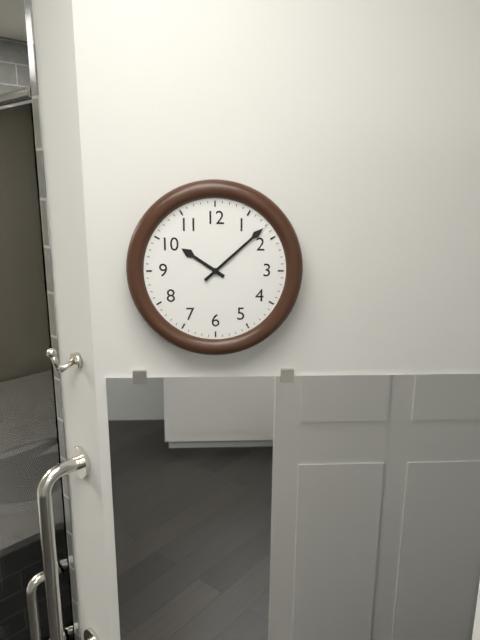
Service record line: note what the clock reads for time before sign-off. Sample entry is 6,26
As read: 10,08
